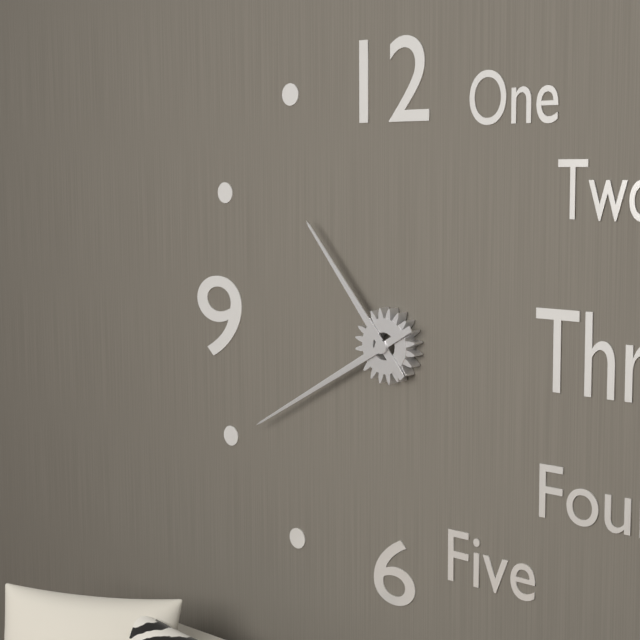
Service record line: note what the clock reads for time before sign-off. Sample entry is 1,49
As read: 10,40
